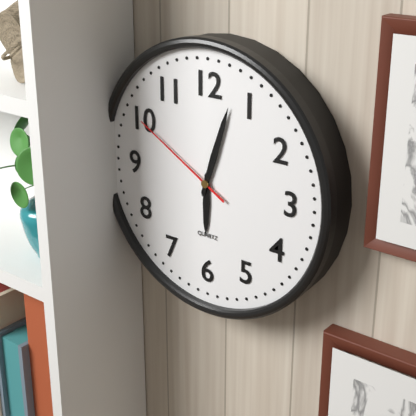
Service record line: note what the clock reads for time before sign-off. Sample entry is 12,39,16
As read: 6,03,50
